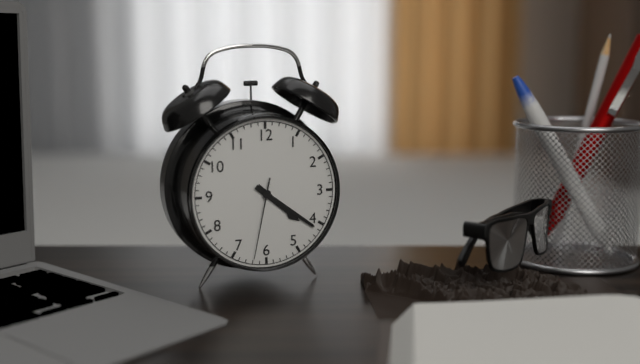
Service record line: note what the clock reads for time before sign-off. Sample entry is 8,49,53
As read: 4,21,32
